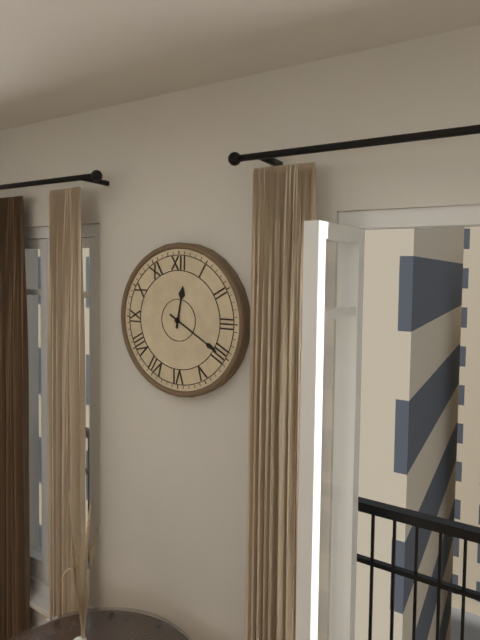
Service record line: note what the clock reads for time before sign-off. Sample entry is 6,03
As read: 12,20
